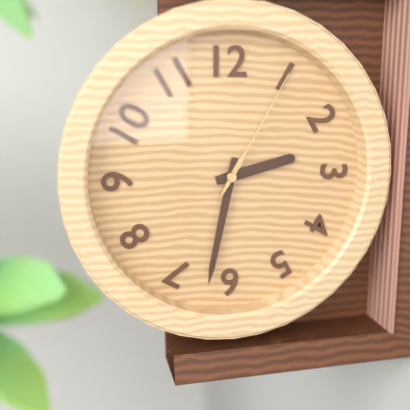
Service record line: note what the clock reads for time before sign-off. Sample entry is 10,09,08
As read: 2,32,05
